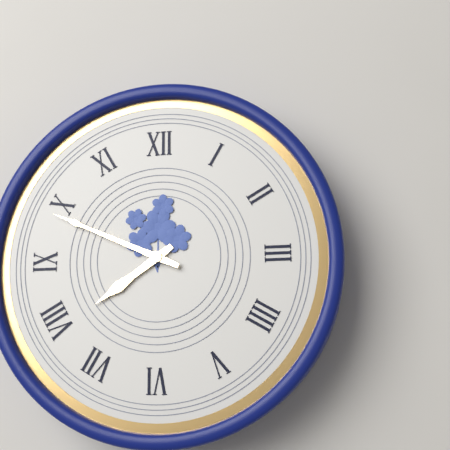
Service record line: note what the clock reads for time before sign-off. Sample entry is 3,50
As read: 7,49
